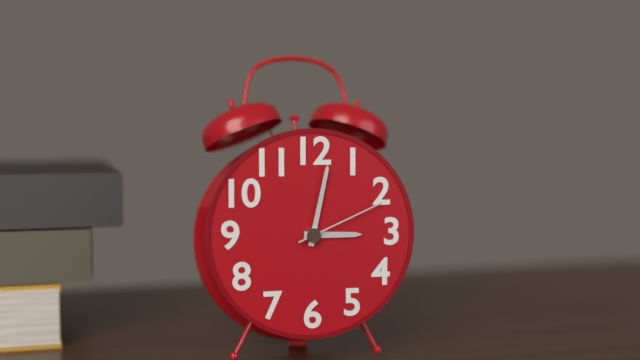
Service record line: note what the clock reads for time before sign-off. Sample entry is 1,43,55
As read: 3,02,11
